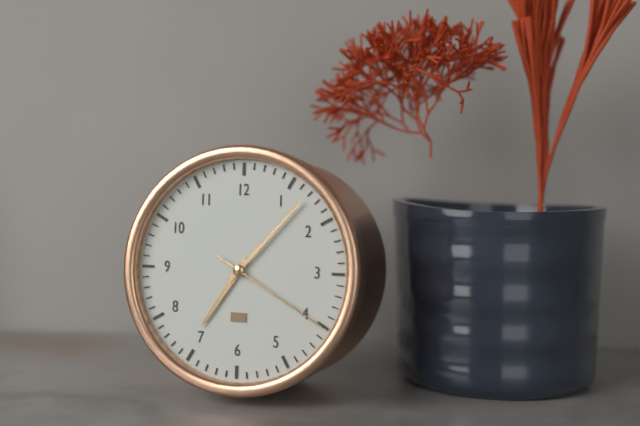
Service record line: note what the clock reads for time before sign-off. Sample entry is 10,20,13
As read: 7,07,20
